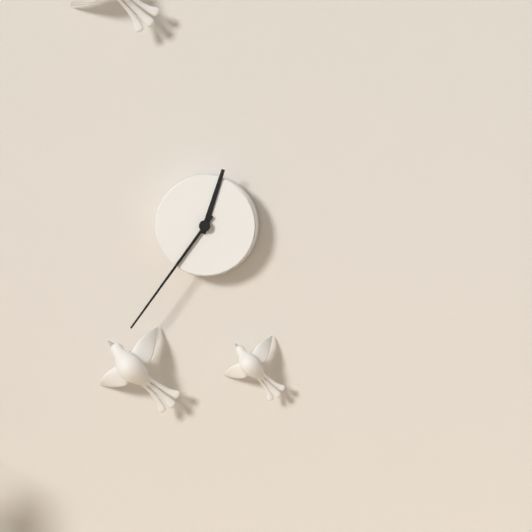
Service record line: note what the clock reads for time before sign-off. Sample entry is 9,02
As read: 12,36
